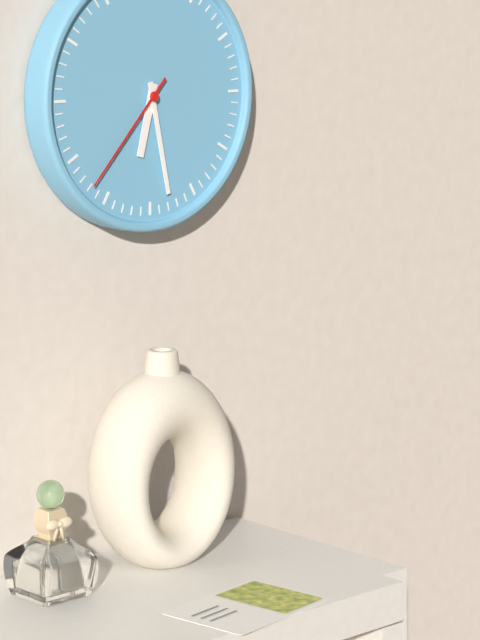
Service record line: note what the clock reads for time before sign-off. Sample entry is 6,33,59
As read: 6,28,37
